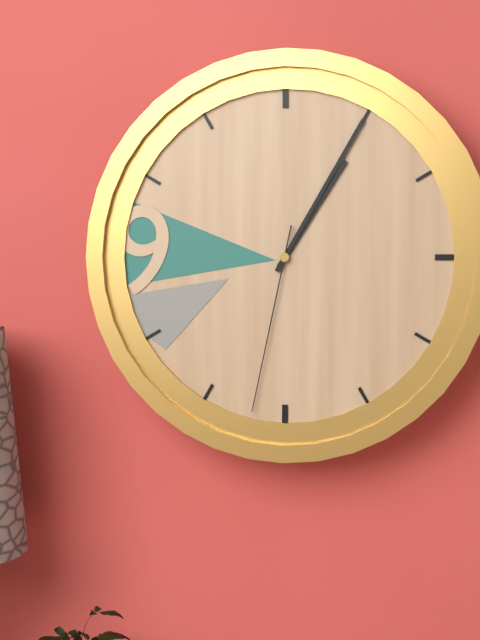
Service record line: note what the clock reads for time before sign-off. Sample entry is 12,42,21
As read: 1,05,32
